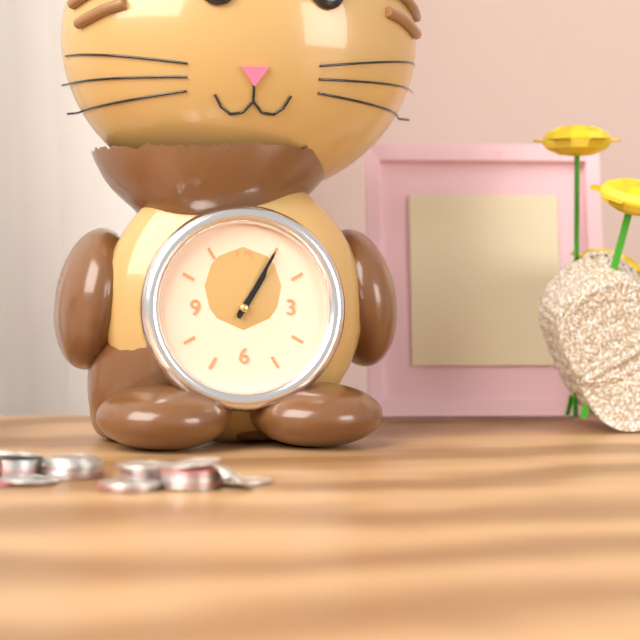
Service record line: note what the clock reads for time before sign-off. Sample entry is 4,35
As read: 1,05
